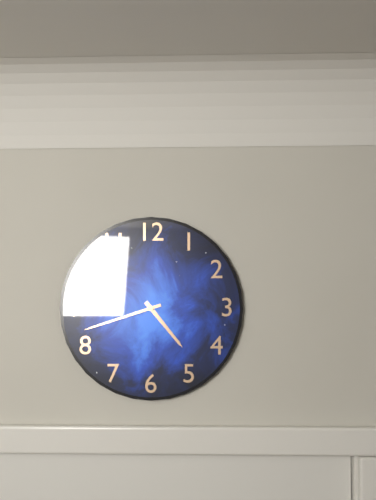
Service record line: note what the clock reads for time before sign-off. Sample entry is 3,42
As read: 4,42
